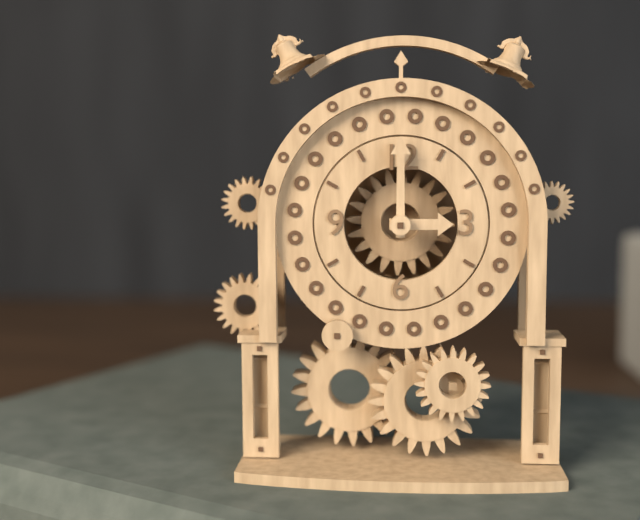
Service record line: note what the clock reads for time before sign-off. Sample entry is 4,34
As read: 3,00
